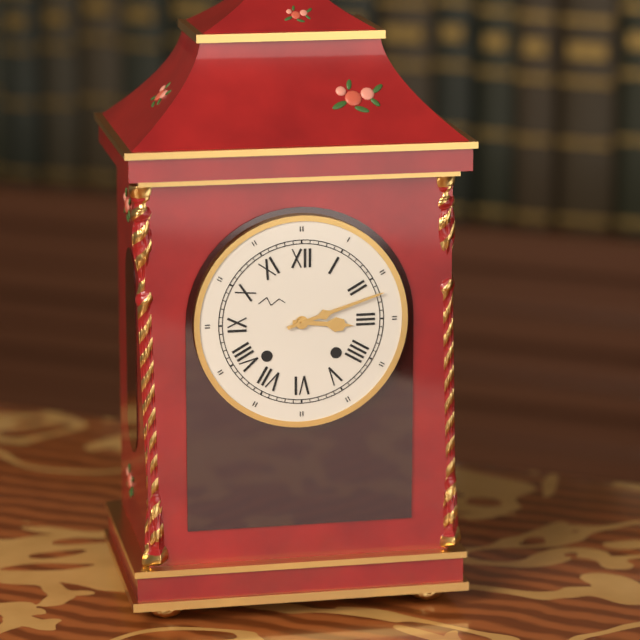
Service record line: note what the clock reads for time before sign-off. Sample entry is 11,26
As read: 3,12
